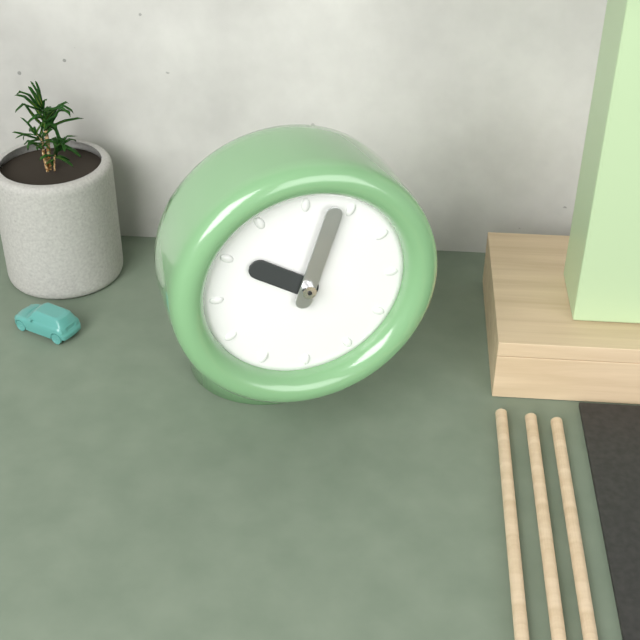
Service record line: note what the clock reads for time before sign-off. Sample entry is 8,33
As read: 10,03
